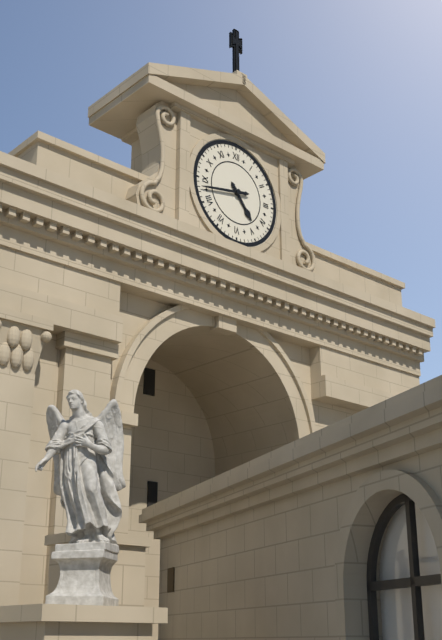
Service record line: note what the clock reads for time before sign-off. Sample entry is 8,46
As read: 4,43
